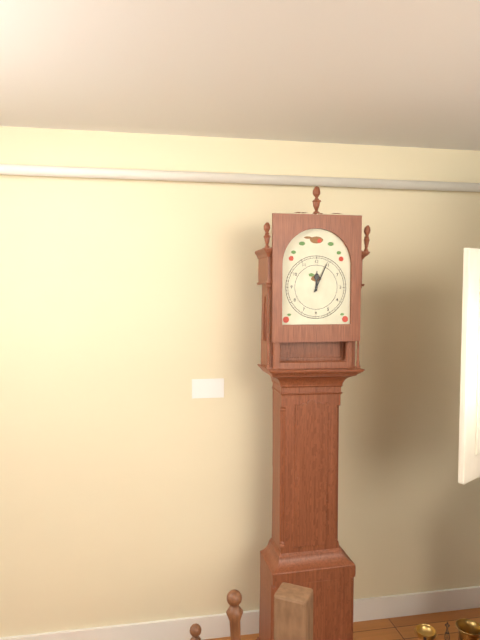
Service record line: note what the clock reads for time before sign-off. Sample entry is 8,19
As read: 12,04
